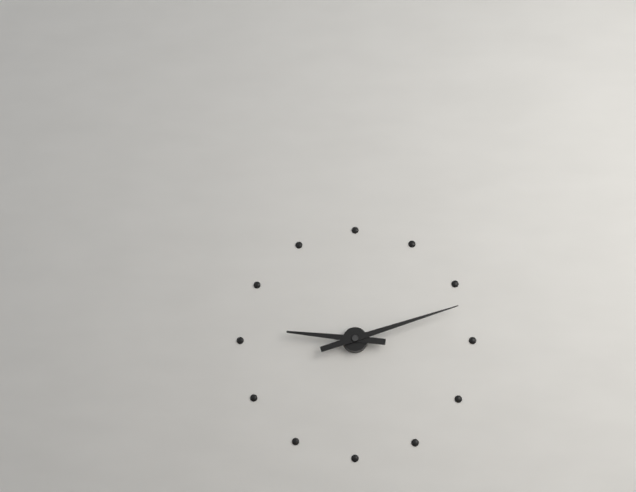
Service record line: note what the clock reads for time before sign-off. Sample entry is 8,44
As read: 9,12
